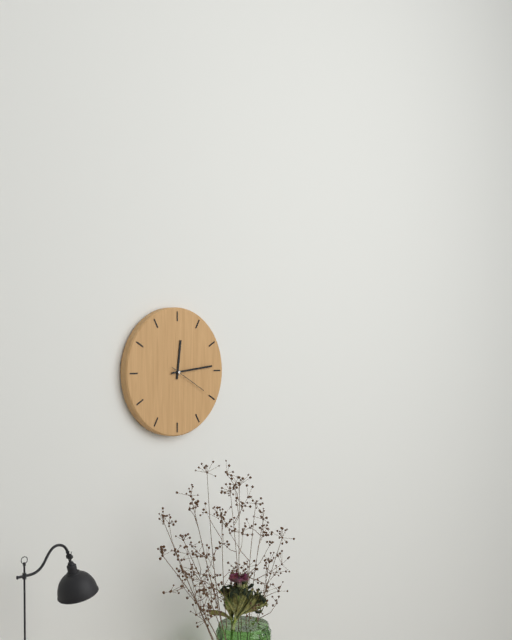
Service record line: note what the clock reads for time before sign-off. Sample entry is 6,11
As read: 12,14
